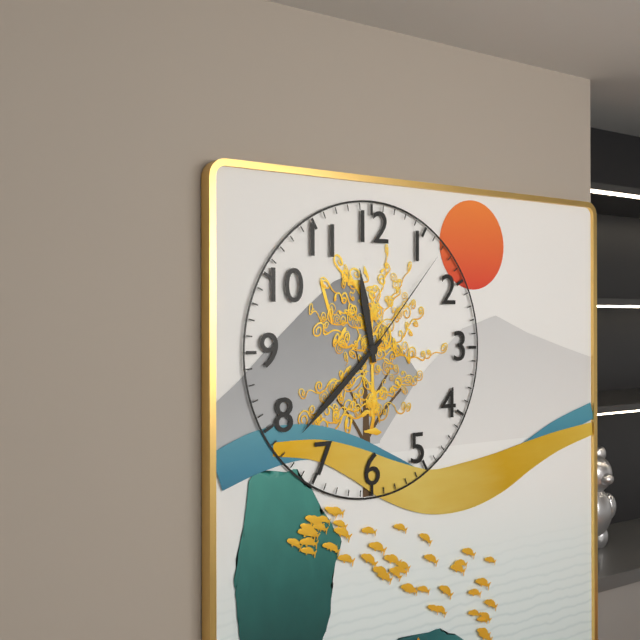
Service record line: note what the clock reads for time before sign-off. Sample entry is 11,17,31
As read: 11,38,07
